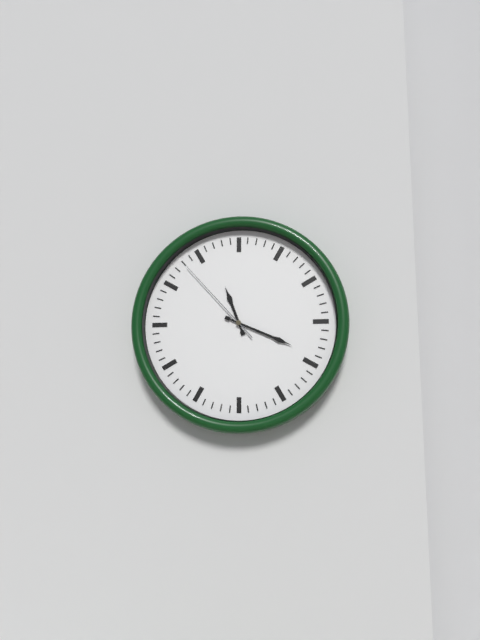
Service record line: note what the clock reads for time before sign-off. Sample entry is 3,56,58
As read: 11,19,53
